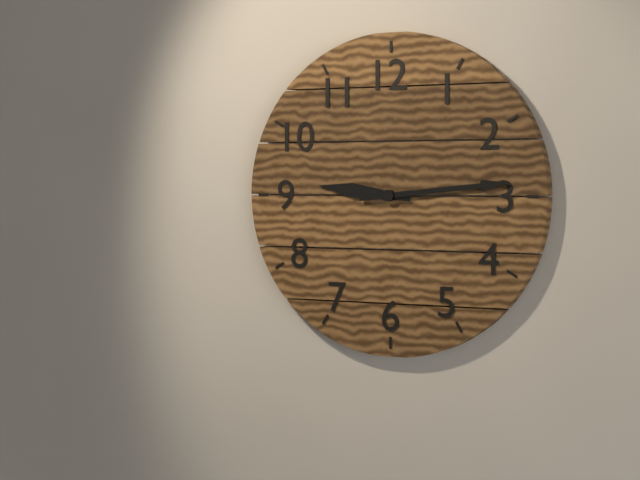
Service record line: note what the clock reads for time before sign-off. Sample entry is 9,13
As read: 9,14
